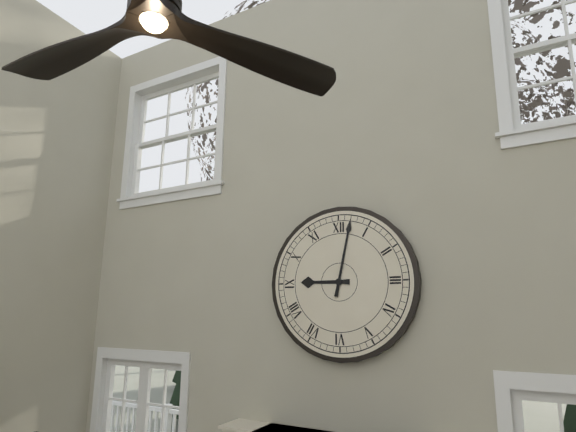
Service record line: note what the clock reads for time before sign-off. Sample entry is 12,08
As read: 9,02
